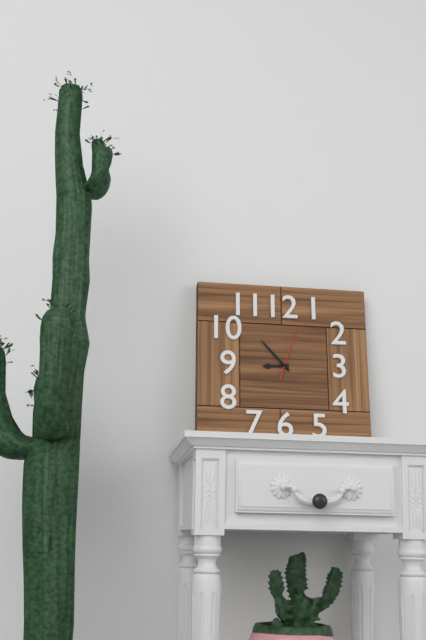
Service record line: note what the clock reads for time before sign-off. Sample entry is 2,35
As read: 8,53
